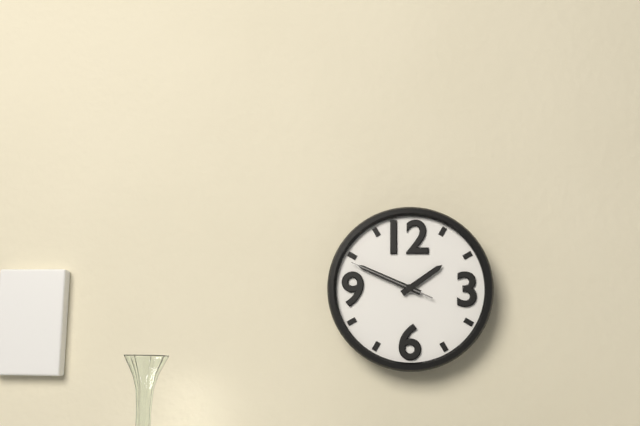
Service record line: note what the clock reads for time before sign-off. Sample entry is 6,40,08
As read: 1,49,49
